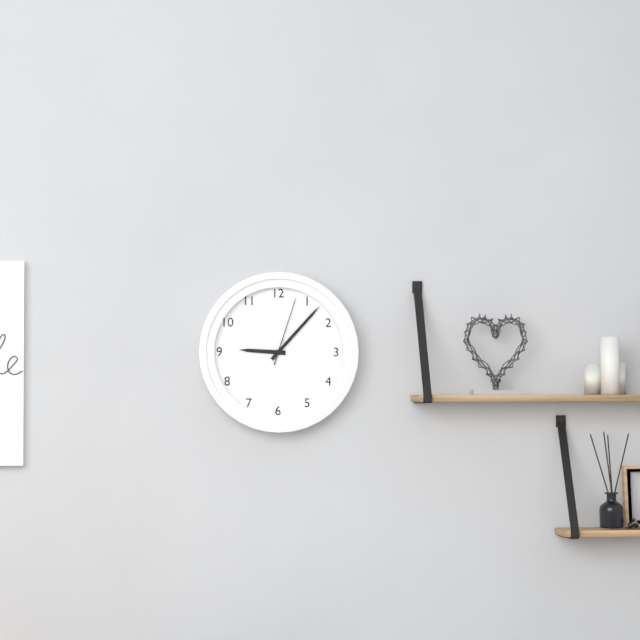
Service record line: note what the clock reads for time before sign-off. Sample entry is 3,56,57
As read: 9,07,03
